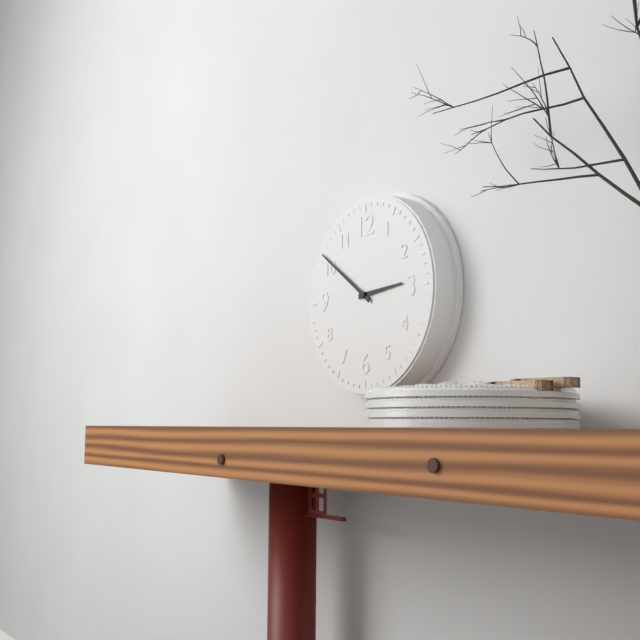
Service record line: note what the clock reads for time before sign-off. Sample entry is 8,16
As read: 2,51
